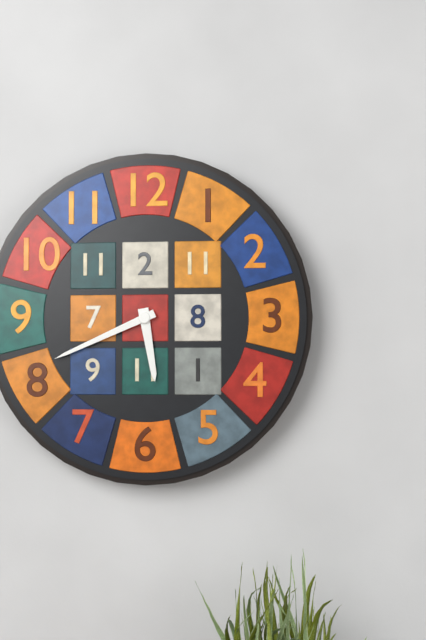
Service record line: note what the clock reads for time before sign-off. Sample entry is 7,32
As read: 5,41
